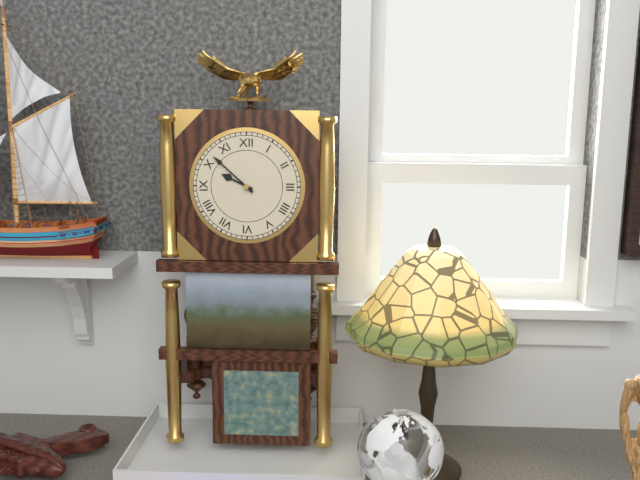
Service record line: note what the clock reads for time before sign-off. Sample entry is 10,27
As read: 9,52
